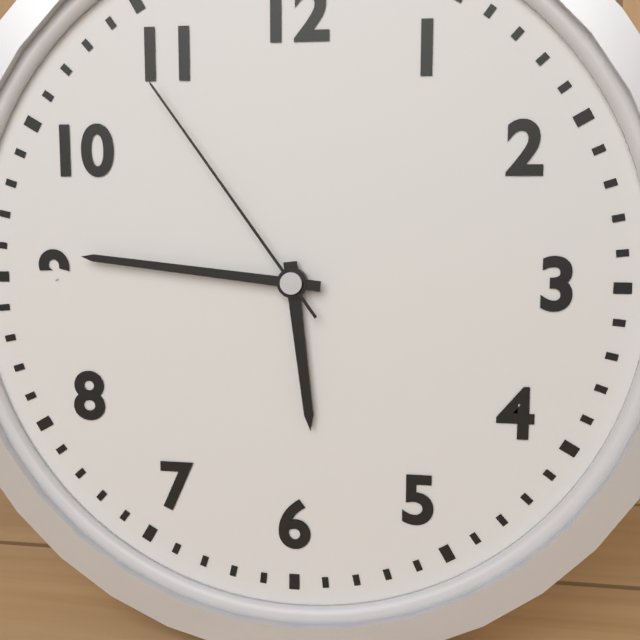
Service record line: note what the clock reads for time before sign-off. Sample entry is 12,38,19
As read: 5,46,54
